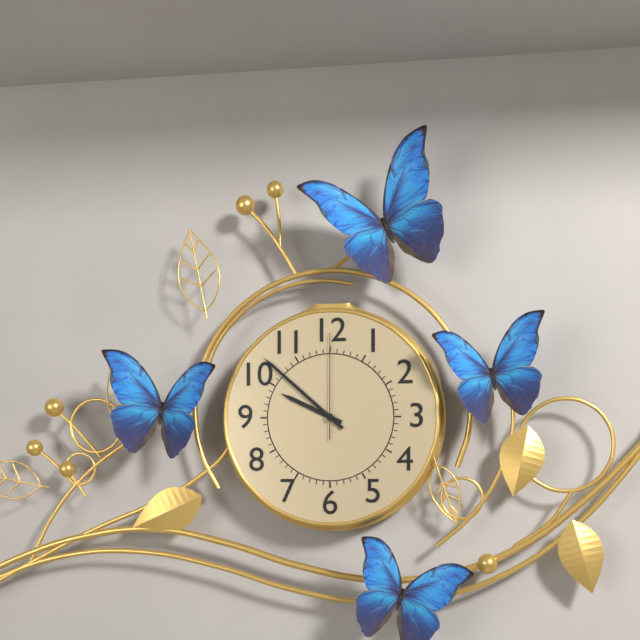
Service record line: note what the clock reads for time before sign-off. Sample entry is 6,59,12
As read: 9,52,00
